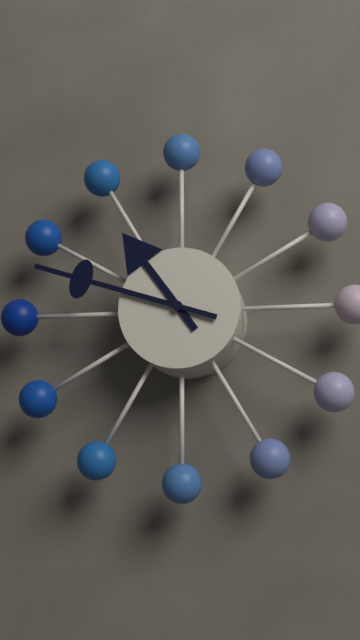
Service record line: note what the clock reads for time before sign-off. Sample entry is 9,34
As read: 10,48
